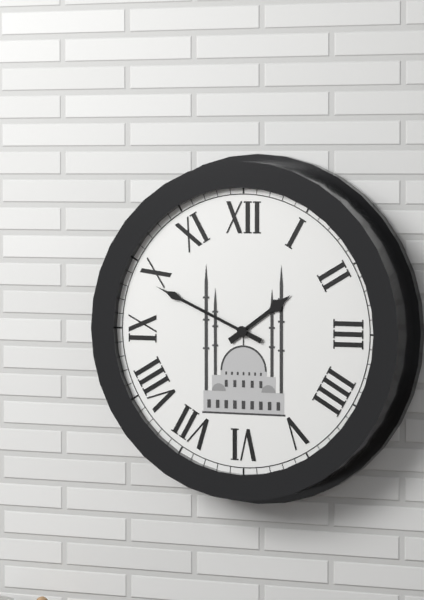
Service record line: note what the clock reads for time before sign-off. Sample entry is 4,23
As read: 1,49
